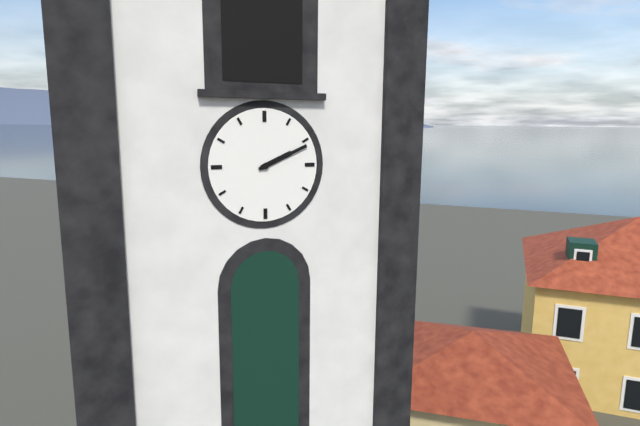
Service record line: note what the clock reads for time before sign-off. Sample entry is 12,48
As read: 2,11
